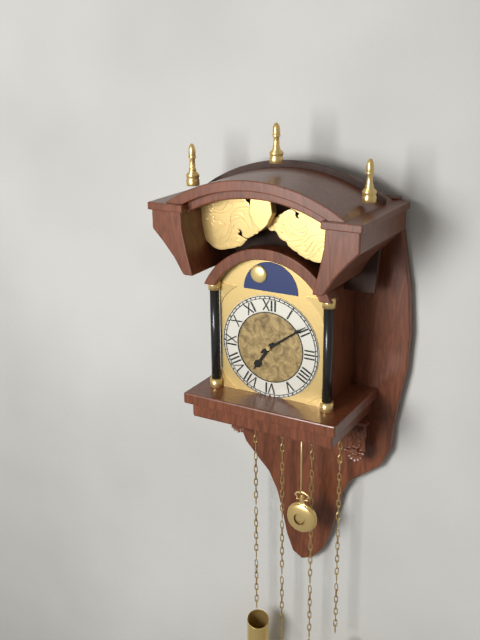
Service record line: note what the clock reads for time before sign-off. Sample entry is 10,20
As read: 7,09
